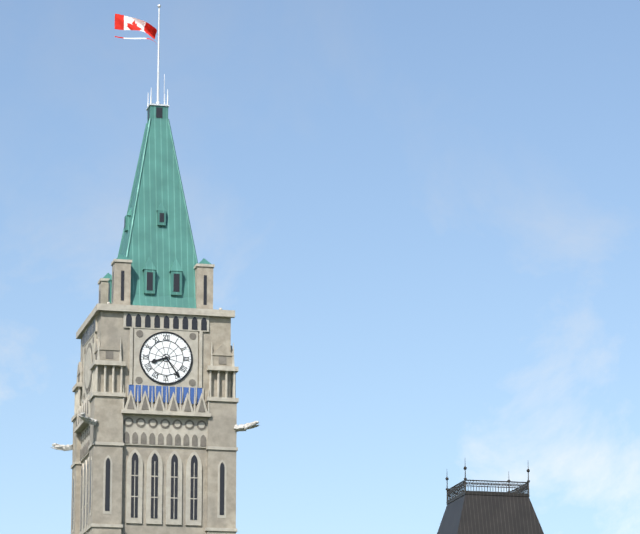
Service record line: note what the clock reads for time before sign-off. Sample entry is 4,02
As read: 8,24
